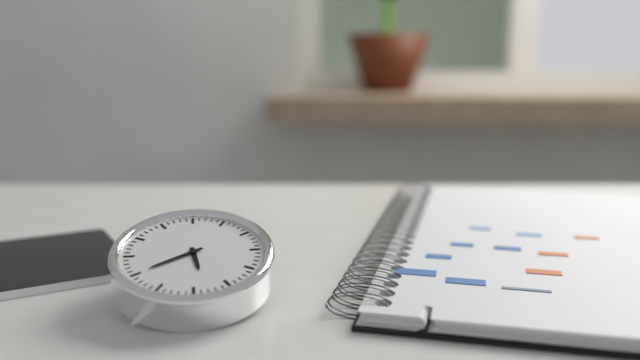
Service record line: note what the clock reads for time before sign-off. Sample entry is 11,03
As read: 5,40
